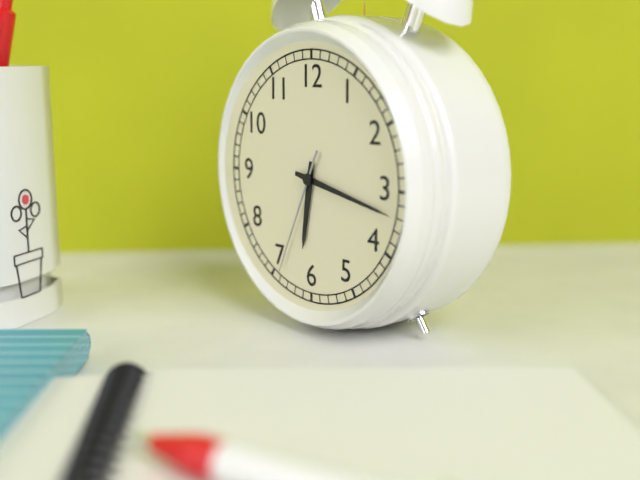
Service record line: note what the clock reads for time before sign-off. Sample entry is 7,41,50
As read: 6,17,34
